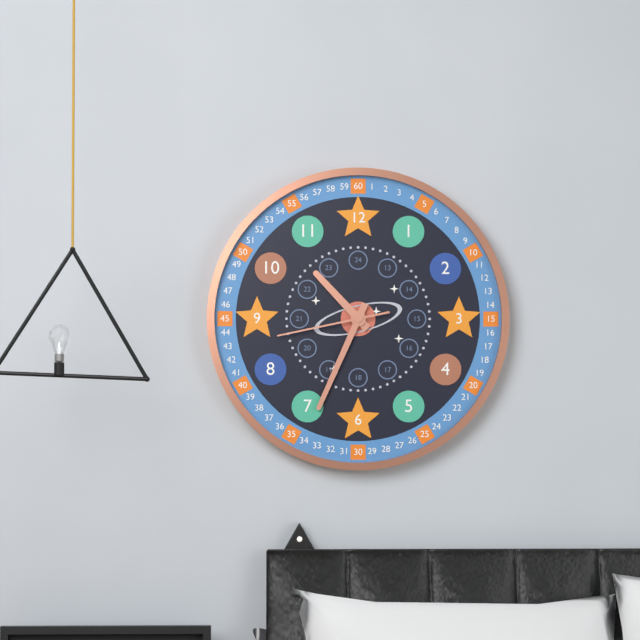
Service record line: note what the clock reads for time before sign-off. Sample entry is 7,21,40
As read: 10,34,43
